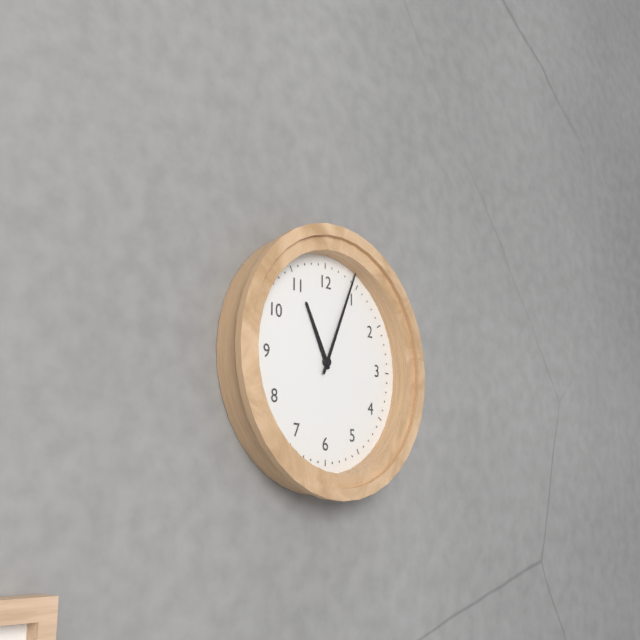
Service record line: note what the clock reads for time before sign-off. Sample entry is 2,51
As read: 11,04
